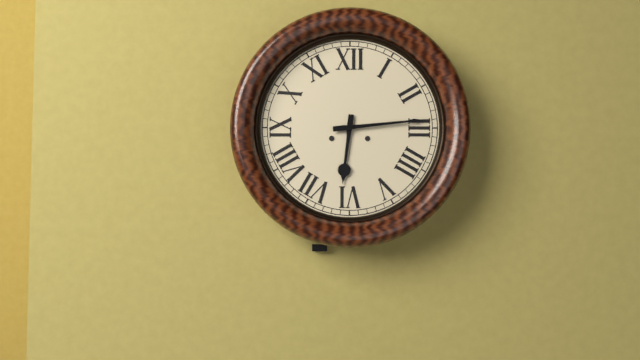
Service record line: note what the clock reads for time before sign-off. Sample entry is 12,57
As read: 6,14
